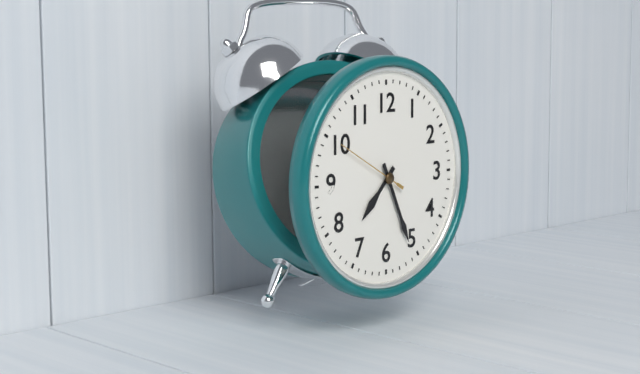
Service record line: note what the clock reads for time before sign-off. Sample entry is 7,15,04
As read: 7,26,50
